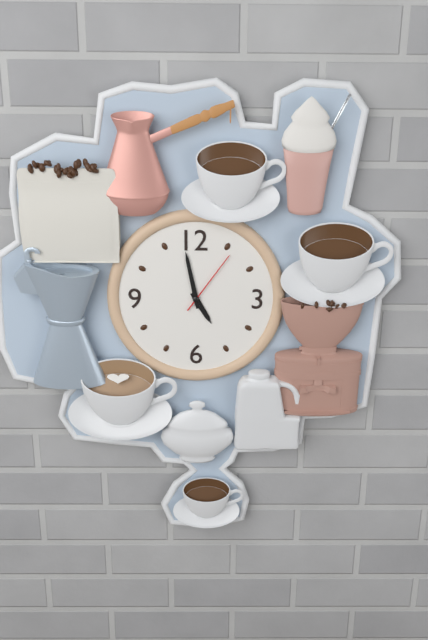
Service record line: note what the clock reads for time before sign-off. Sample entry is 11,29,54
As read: 4,58,06
